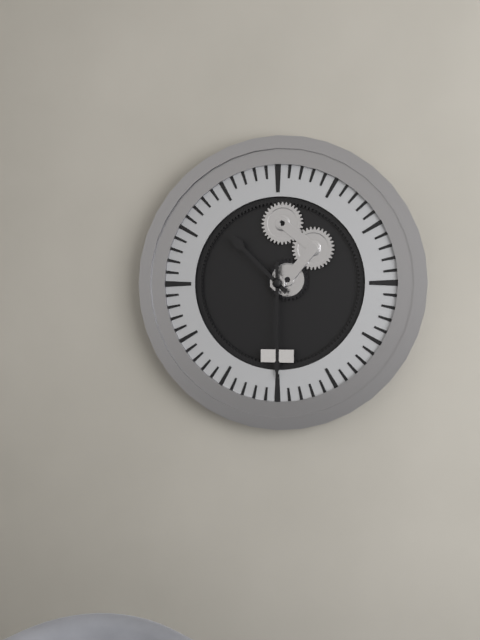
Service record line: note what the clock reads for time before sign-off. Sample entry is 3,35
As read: 10,30
